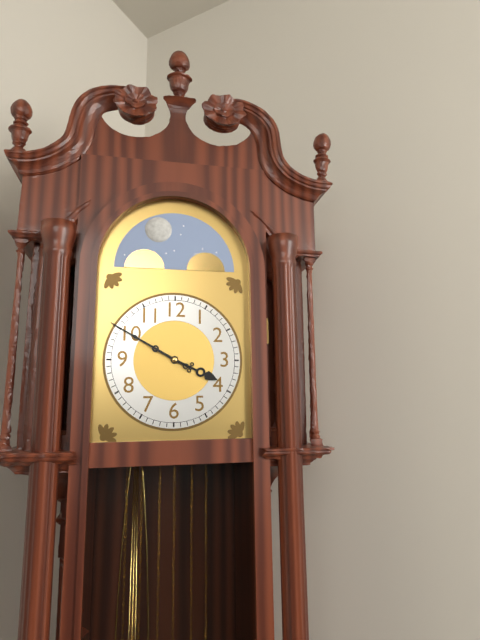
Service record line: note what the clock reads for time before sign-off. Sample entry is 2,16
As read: 3,50
